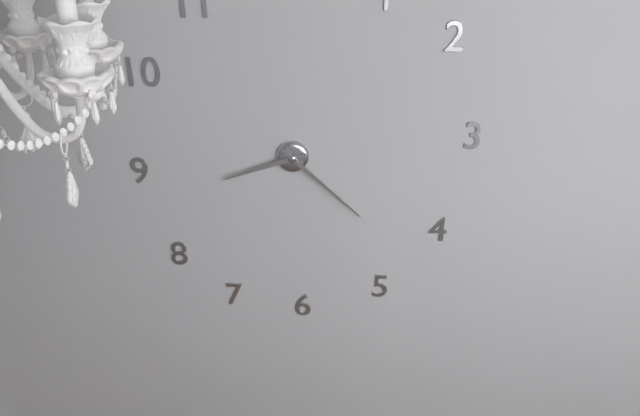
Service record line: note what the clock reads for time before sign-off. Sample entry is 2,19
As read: 8,22
